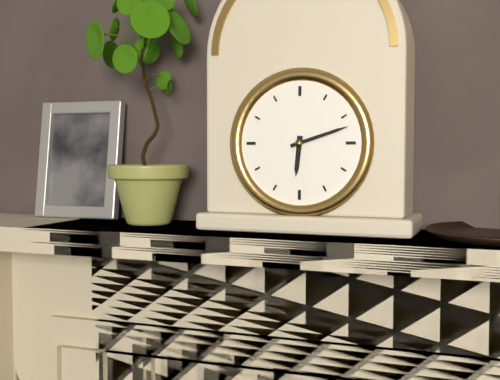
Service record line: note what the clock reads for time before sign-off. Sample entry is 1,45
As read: 6,12
